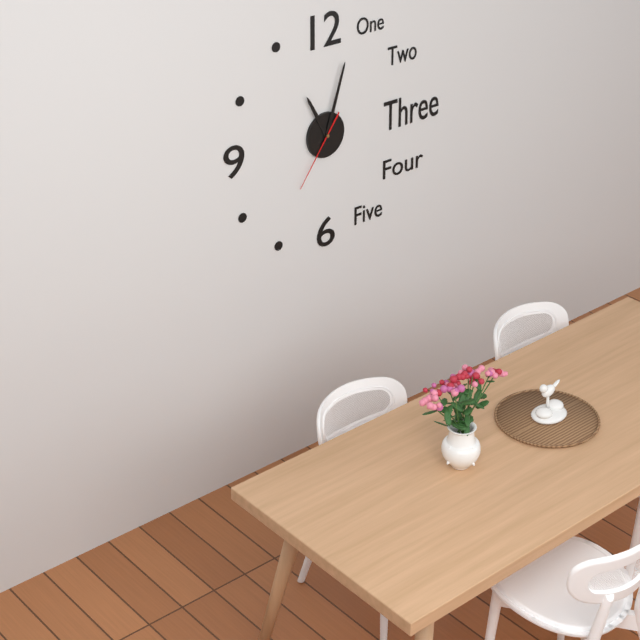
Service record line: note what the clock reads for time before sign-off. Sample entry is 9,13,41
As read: 11,03,36
